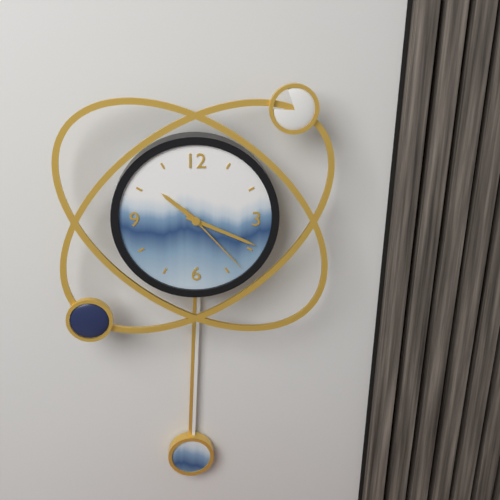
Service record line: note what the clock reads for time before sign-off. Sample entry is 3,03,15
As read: 10,19,23
